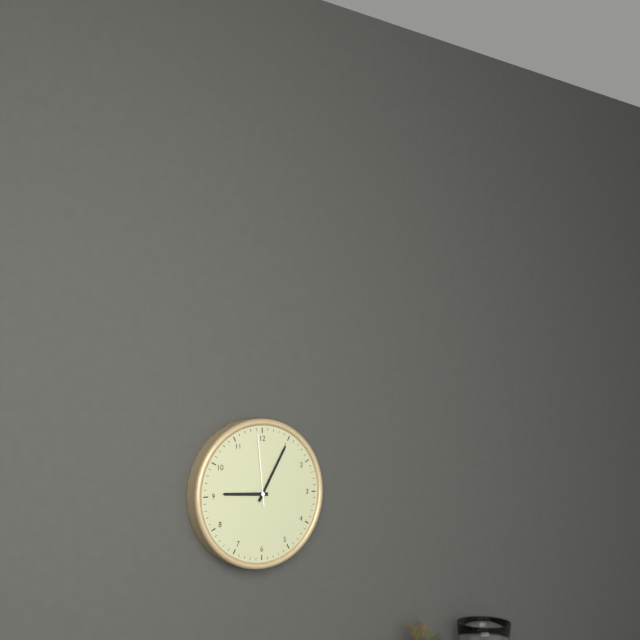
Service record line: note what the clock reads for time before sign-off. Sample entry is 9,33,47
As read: 9,05,59
